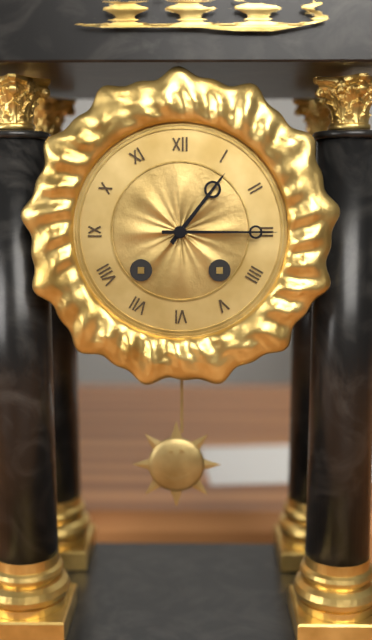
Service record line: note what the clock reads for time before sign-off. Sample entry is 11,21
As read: 1,15
